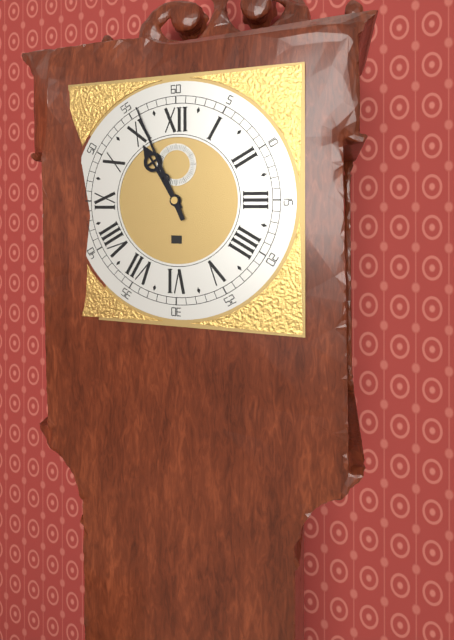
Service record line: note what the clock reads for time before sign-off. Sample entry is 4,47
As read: 10,56
